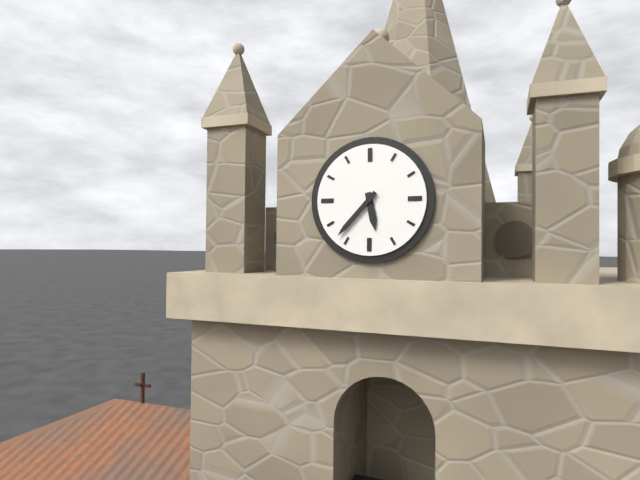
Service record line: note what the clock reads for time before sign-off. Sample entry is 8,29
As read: 5,37
